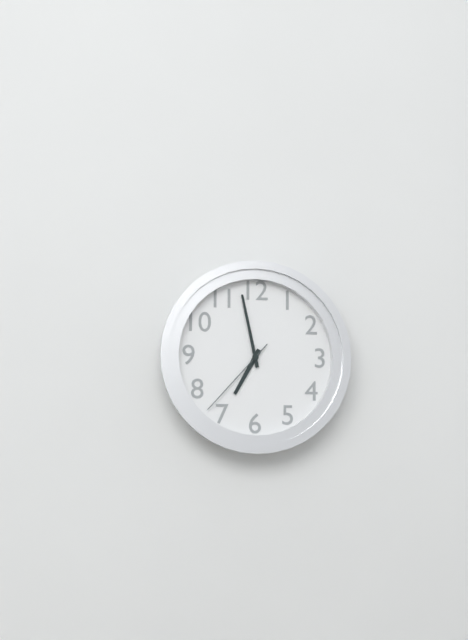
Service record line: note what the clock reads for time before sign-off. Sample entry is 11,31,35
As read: 6,58,37
